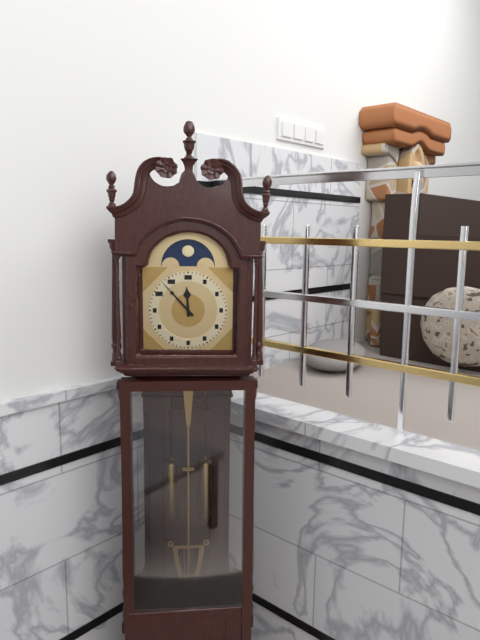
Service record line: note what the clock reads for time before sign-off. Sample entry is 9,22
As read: 11,53
